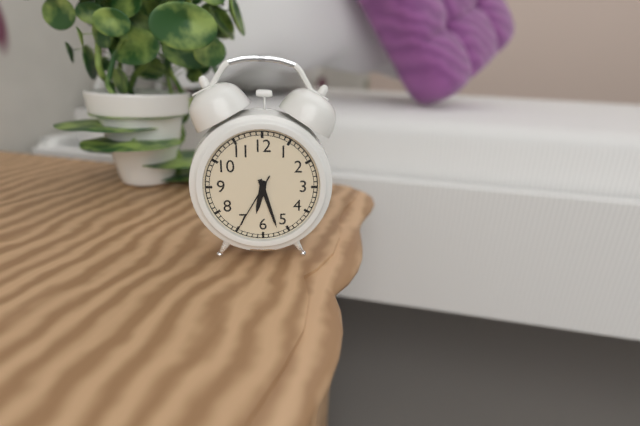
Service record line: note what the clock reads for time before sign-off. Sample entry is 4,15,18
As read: 6,27,35
